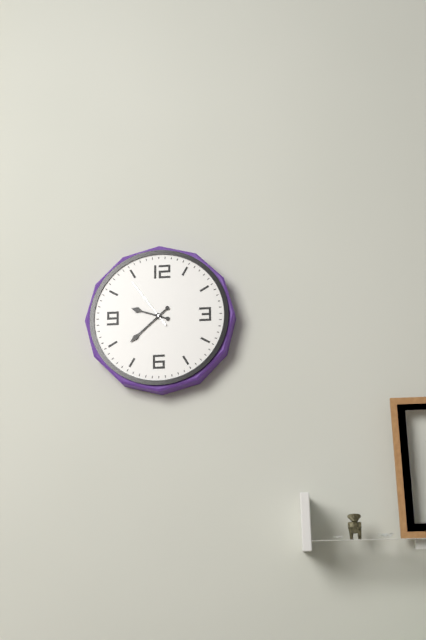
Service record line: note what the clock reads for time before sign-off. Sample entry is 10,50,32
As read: 9,38,54
